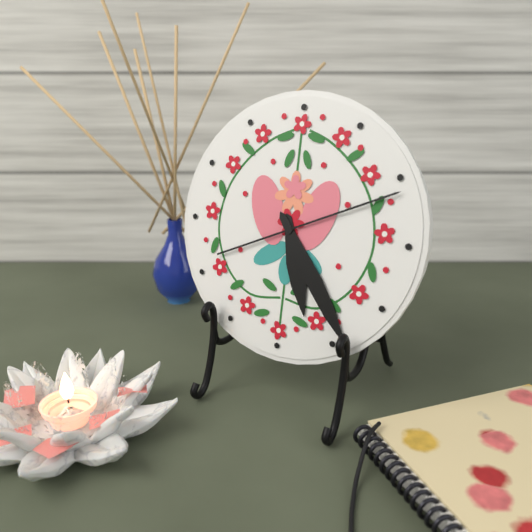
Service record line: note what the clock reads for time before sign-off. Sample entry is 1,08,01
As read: 5,24,11
